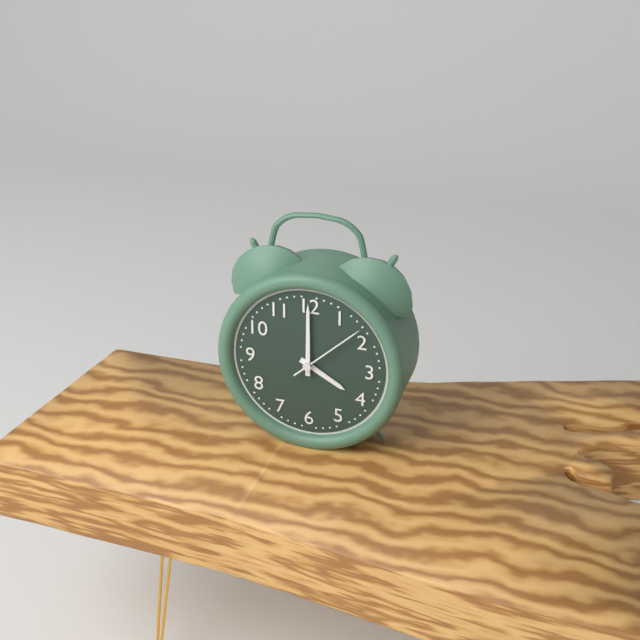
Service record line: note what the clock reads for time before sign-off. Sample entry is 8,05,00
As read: 4,00,08
